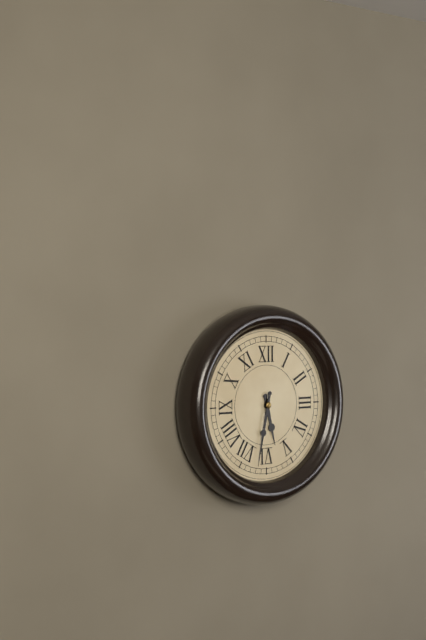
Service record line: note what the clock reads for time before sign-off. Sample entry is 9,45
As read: 5,32
